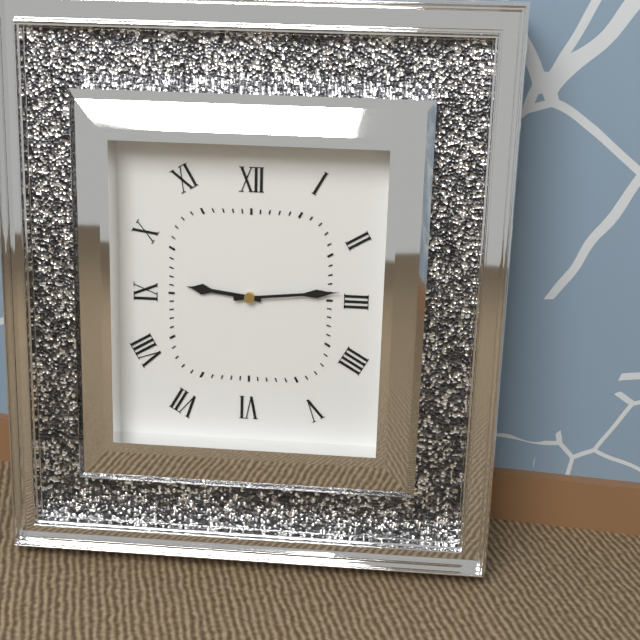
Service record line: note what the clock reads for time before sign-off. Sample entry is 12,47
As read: 9,14
